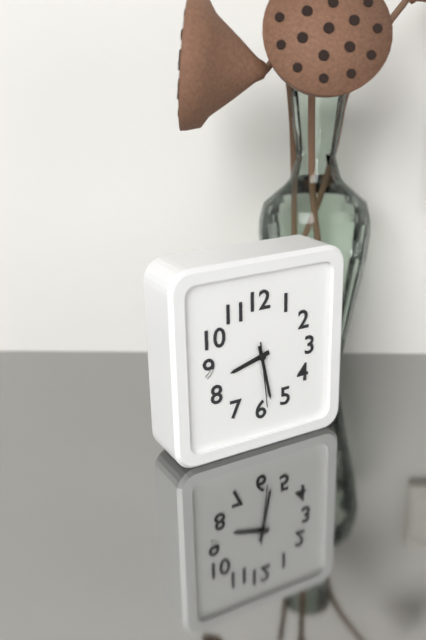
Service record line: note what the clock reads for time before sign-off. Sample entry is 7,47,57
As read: 8,28,29
